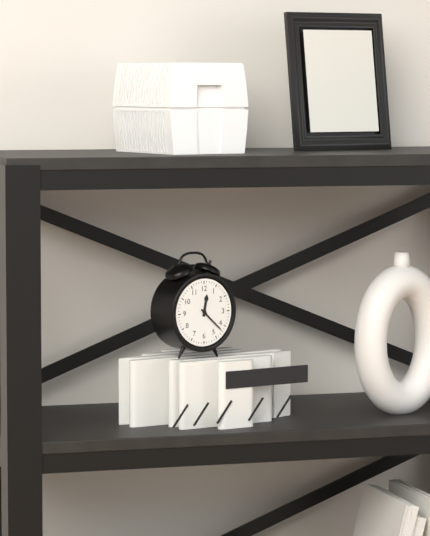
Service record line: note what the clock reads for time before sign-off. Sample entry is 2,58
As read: 12,22
